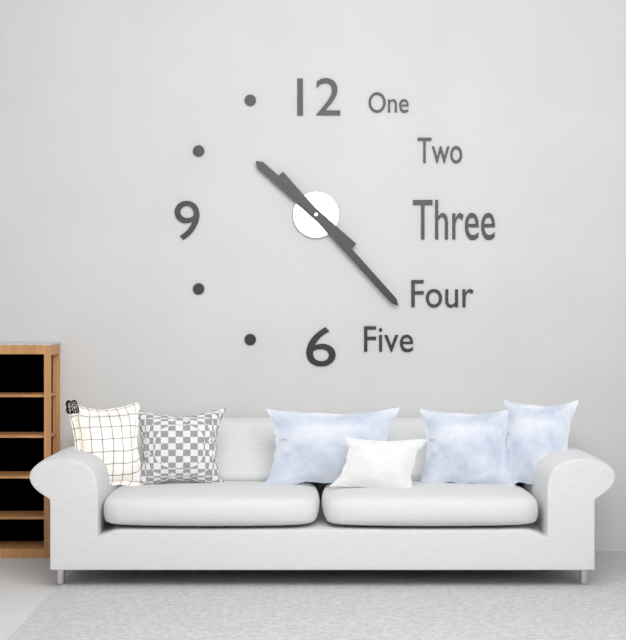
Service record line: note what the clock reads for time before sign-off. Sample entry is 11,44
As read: 10,23
